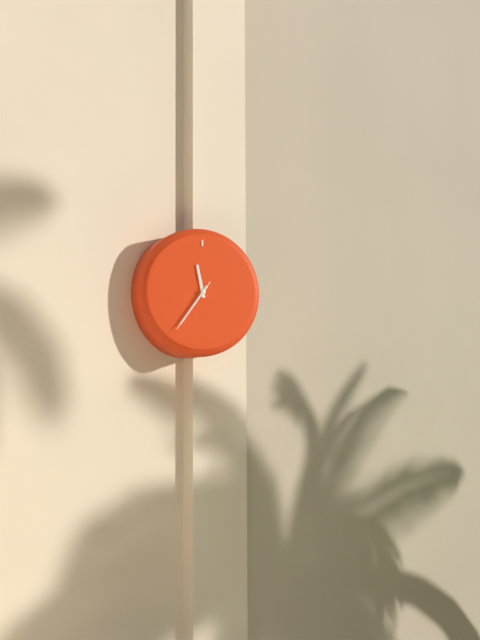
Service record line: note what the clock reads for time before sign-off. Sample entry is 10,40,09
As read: 11,36,36
